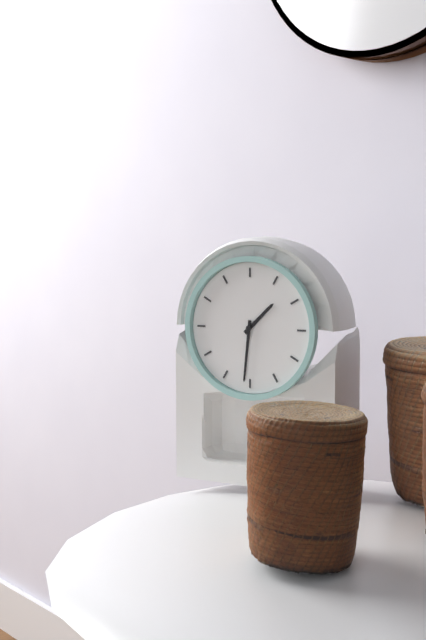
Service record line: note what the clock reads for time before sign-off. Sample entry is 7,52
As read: 1,31
